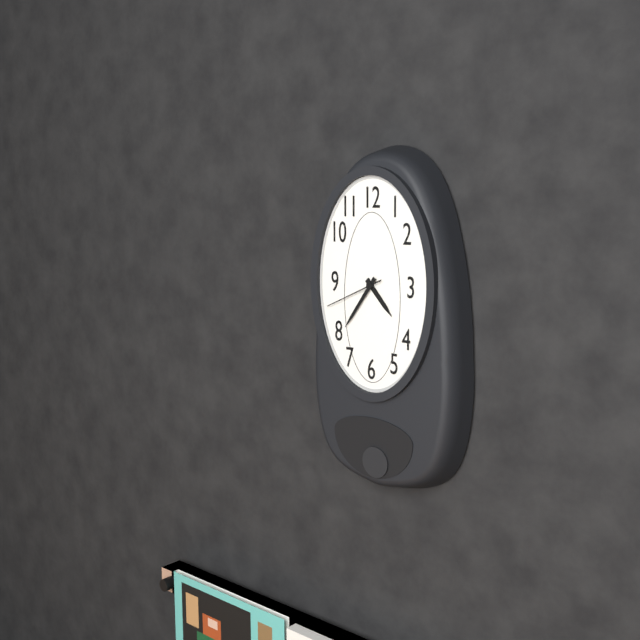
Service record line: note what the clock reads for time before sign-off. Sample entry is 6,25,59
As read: 4,36,41
